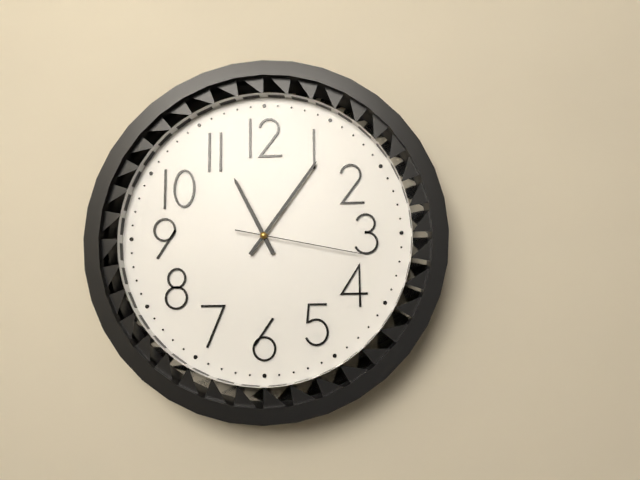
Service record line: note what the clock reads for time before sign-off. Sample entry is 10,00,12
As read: 11,06,17
